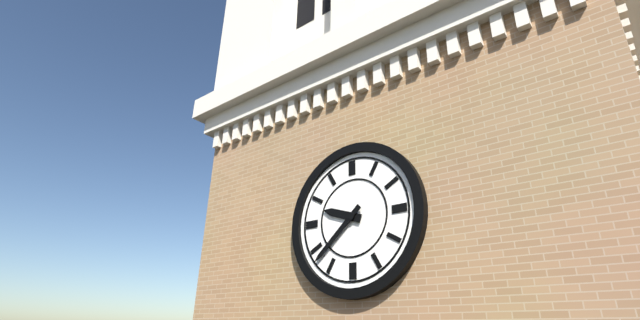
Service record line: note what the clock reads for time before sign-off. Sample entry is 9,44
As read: 9,38
